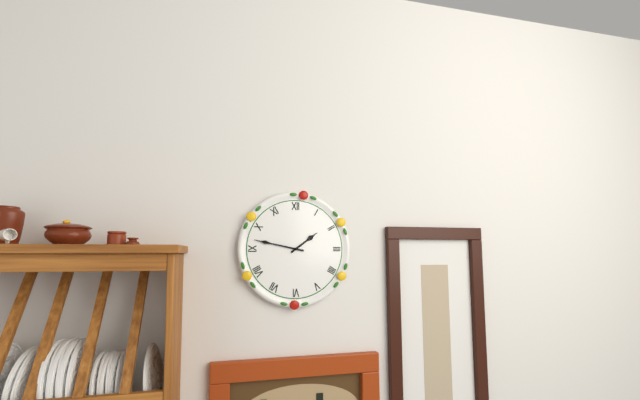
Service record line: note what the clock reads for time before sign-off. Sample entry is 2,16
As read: 1,47
